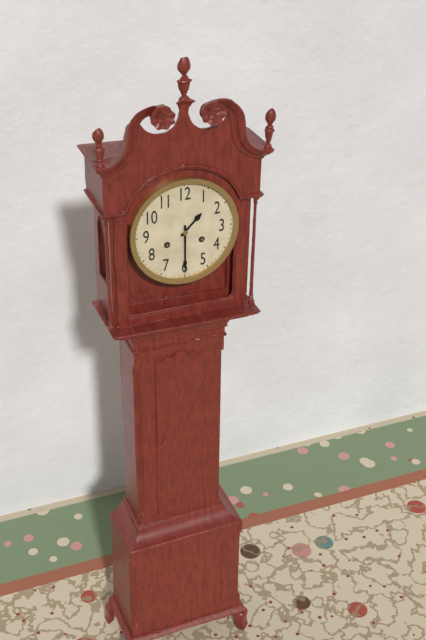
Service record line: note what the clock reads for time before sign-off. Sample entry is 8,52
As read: 1,30
